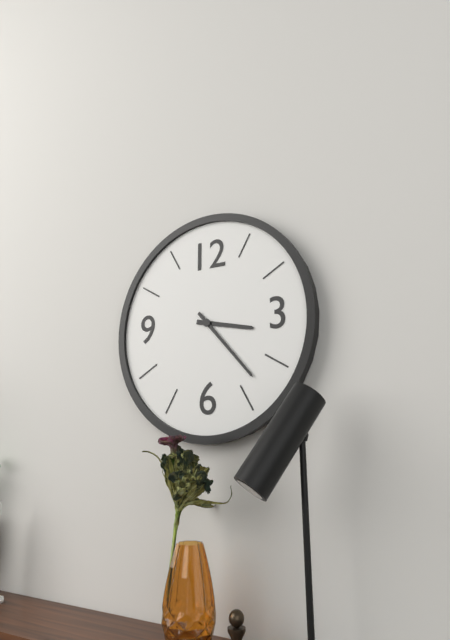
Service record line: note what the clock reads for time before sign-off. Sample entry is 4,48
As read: 3,23
